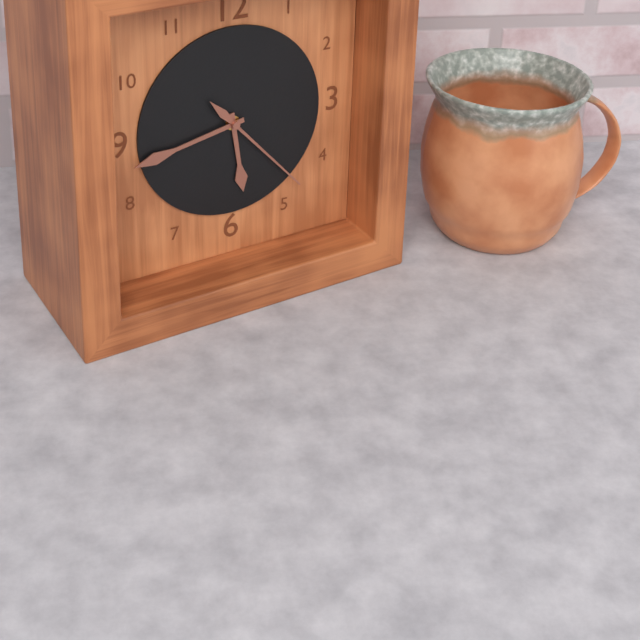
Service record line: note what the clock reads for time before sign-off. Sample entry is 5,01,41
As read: 5,43,23
